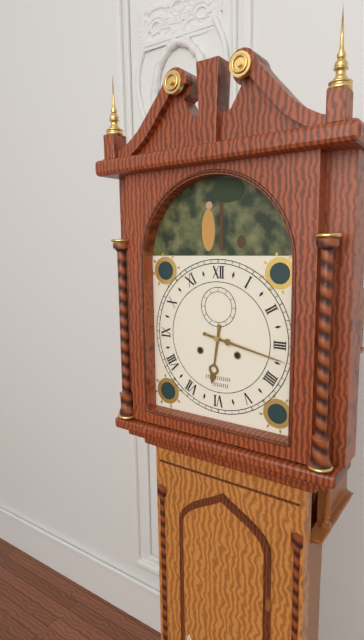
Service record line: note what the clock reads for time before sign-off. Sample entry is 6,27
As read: 6,17
